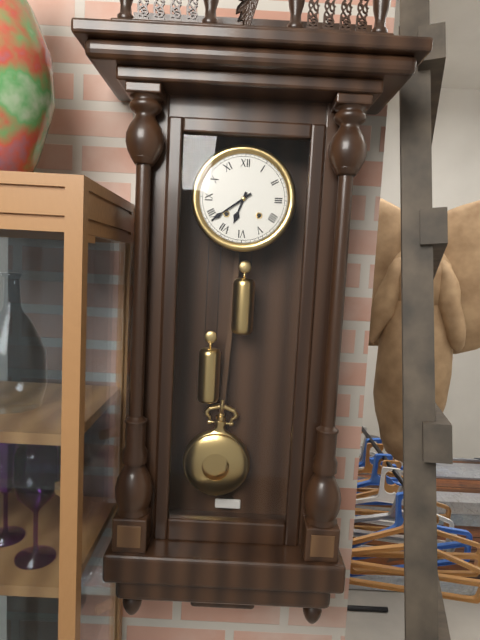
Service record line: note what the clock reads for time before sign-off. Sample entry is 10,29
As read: 6,39
